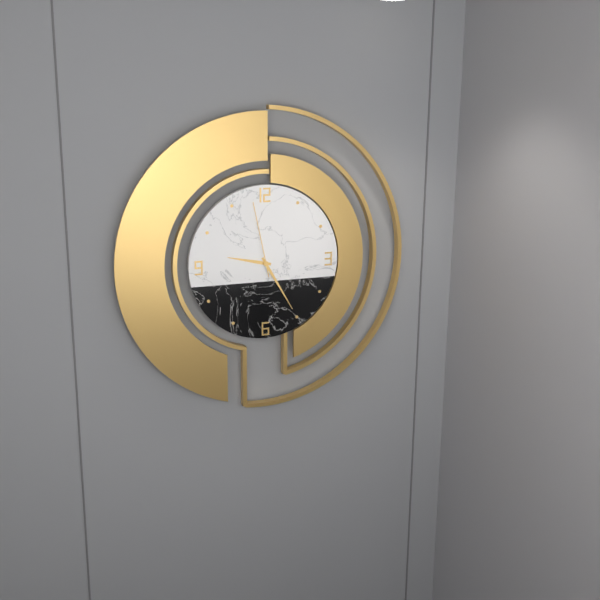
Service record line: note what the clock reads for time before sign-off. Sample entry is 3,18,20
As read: 9,25,58
